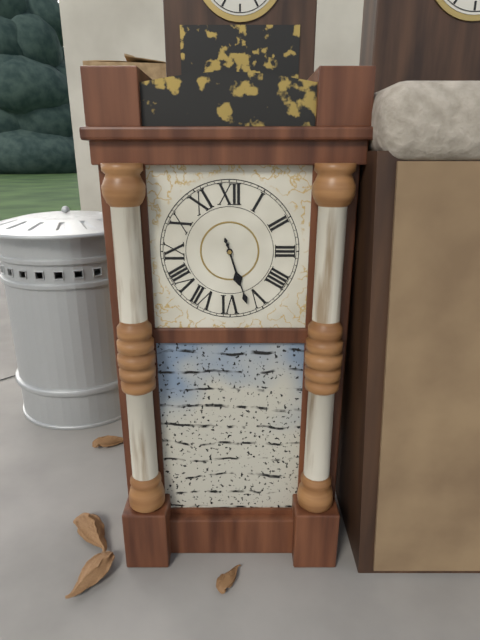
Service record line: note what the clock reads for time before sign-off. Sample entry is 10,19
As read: 5,27
